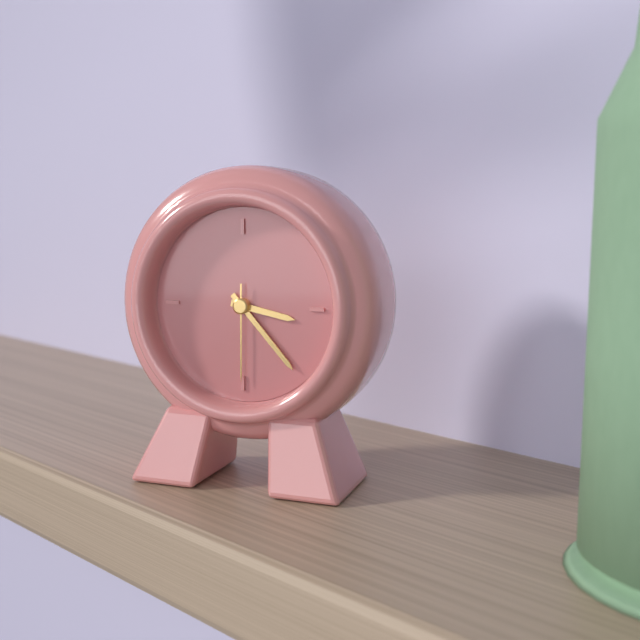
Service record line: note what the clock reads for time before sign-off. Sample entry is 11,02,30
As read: 3,23,30
